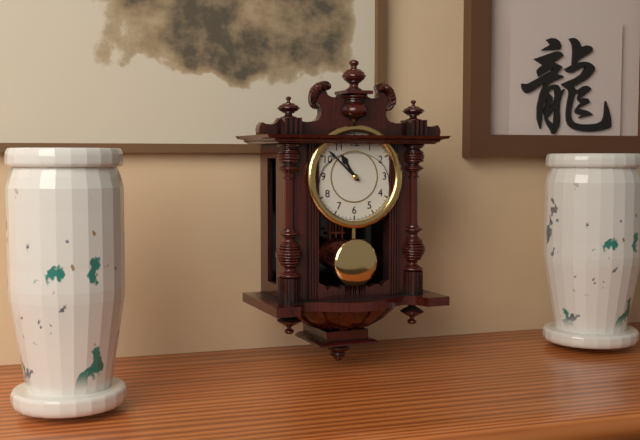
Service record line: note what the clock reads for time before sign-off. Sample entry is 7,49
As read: 10,52
